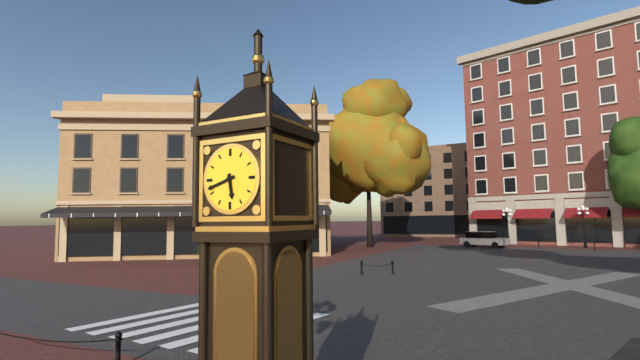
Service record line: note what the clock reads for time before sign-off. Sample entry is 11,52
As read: 5,42
